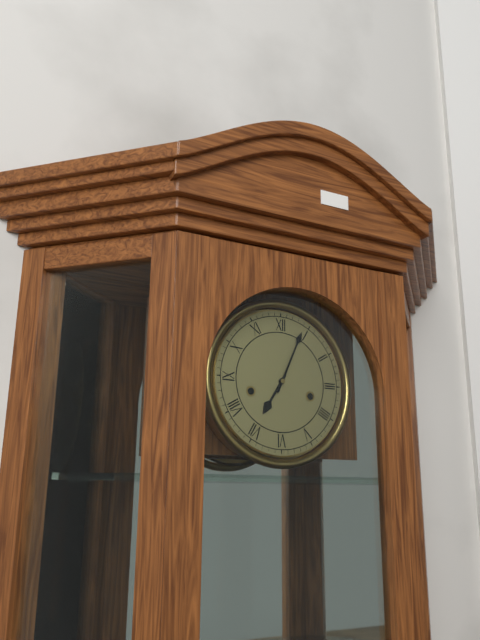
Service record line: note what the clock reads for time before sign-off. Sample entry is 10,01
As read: 7,04
